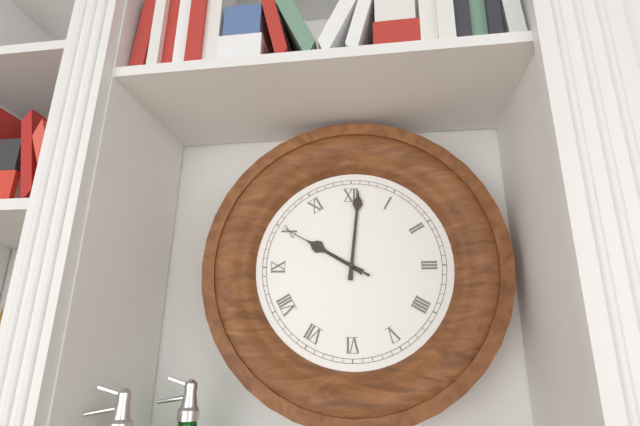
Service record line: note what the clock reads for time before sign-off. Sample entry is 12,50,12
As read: 10,01,50
